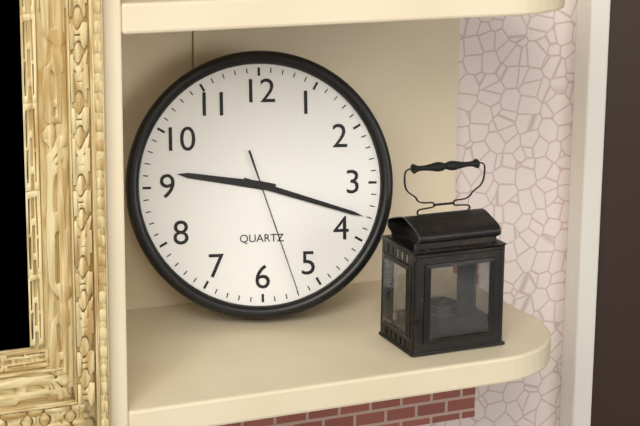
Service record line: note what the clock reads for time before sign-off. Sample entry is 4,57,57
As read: 9,18,27
